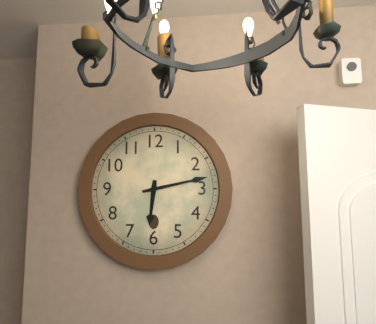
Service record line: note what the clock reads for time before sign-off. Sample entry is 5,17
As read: 6,13
